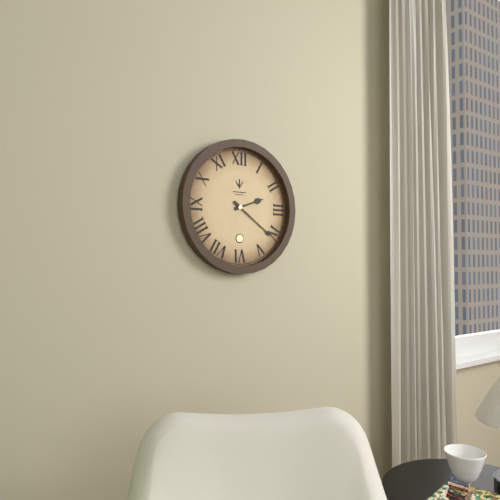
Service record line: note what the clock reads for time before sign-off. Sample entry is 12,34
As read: 2,21
